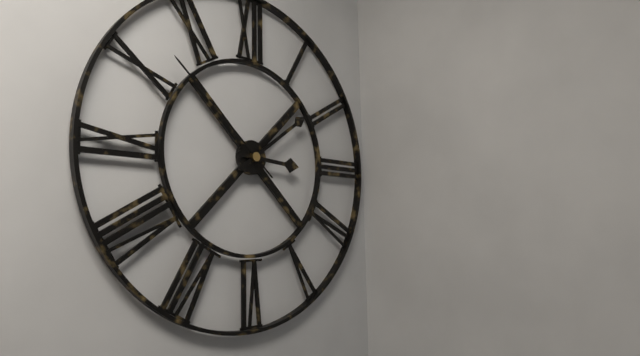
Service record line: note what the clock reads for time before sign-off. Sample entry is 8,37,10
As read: 3,09,52
